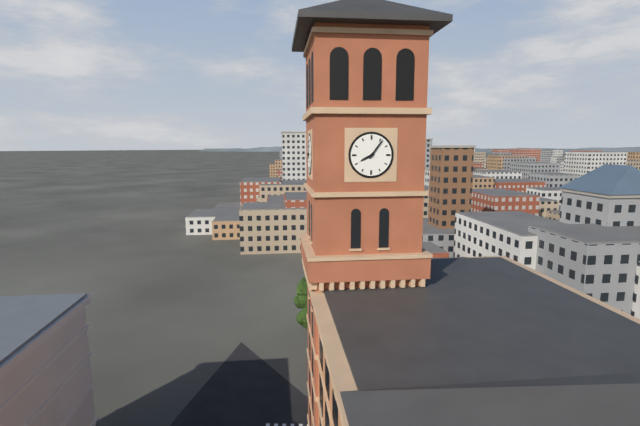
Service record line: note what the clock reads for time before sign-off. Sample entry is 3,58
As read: 8,06
